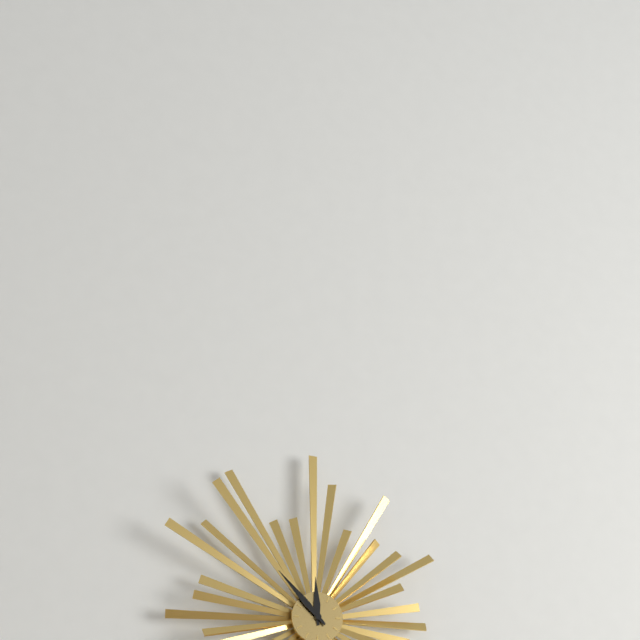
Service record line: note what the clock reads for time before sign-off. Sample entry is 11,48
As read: 11,53
